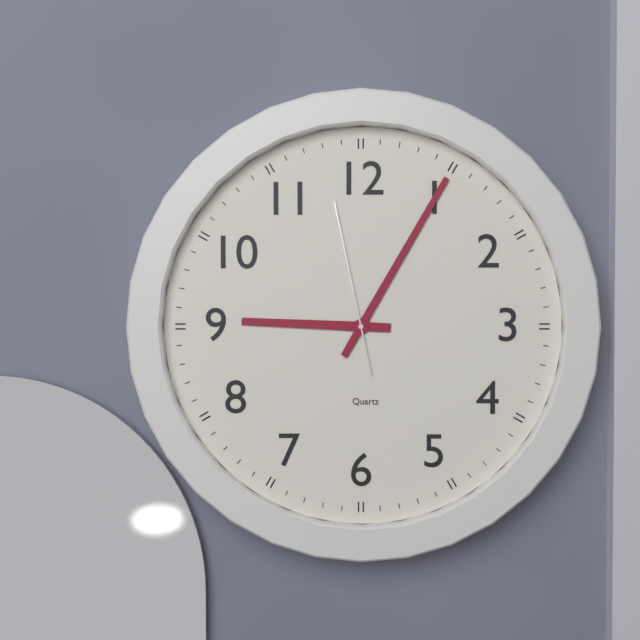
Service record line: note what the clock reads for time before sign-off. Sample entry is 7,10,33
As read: 9,05,58
